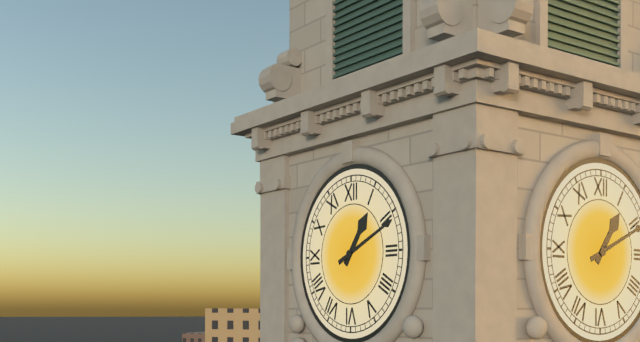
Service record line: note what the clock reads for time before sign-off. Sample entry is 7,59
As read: 1,11
